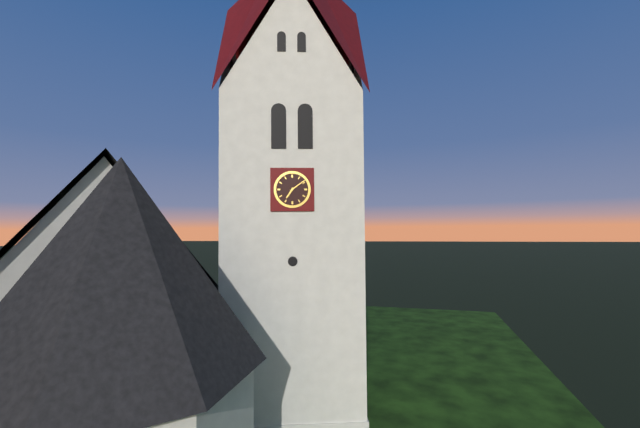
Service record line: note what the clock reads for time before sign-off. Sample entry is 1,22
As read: 7,09
